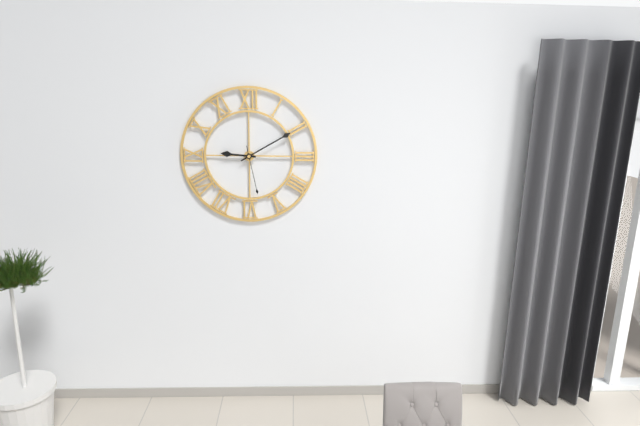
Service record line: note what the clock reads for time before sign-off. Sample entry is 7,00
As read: 9,10
